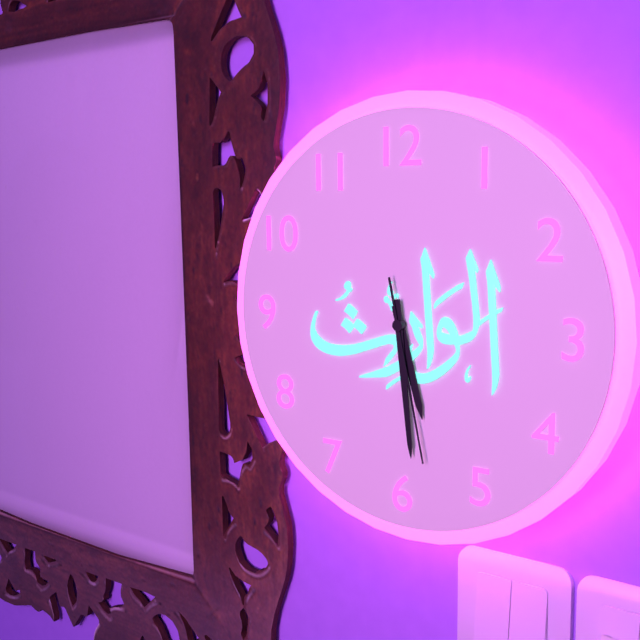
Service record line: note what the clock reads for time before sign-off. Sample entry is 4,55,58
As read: 5,29,28
